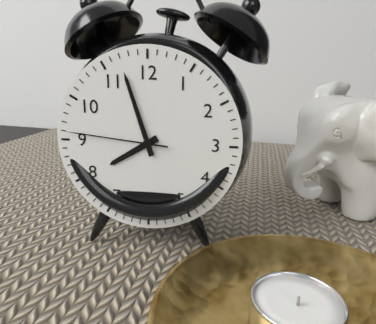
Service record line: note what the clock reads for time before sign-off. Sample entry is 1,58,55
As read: 7,57,46
